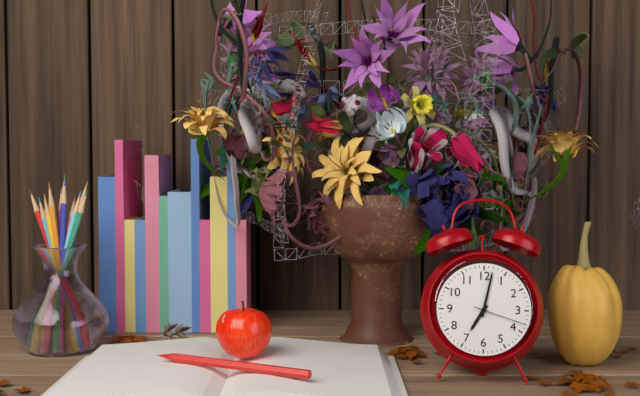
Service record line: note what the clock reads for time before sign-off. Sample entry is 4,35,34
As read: 7,02,18
